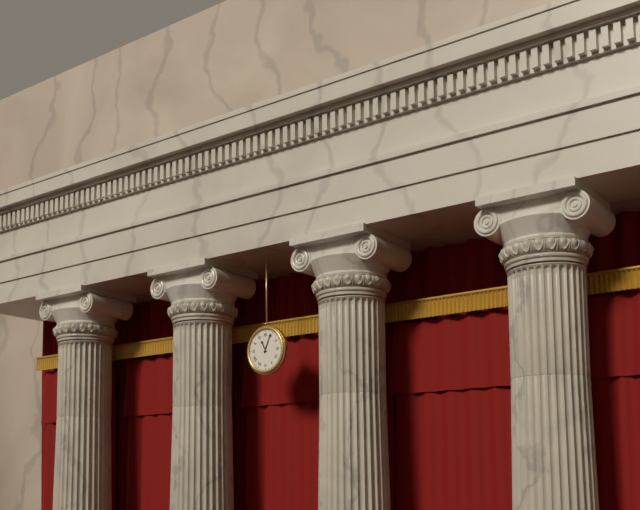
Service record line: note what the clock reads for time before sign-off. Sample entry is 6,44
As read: 11,04
